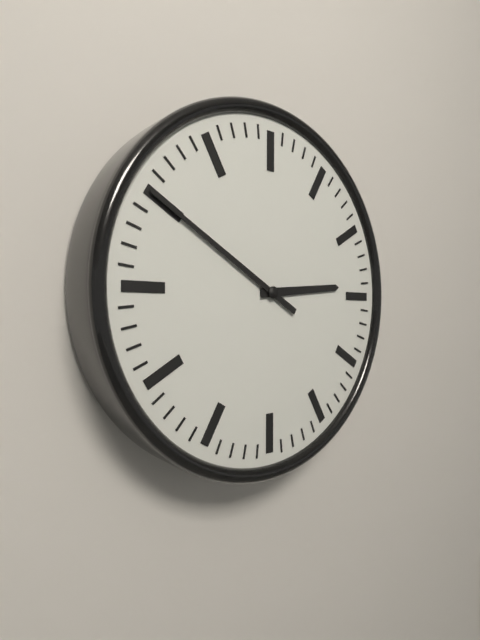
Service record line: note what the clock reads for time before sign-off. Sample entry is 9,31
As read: 2,50
